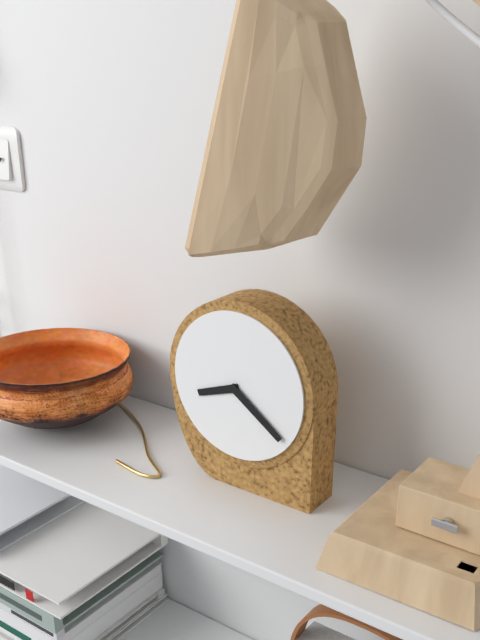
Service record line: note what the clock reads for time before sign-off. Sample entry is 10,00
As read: 8,21
